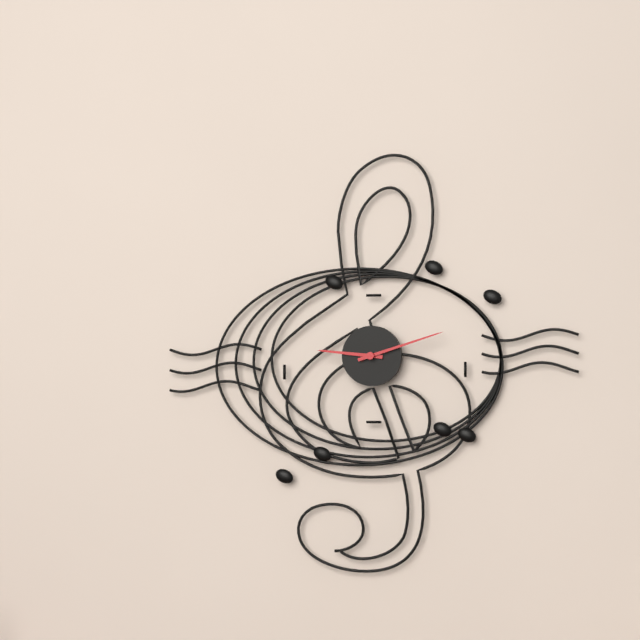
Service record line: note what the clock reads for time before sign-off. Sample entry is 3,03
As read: 9,12
